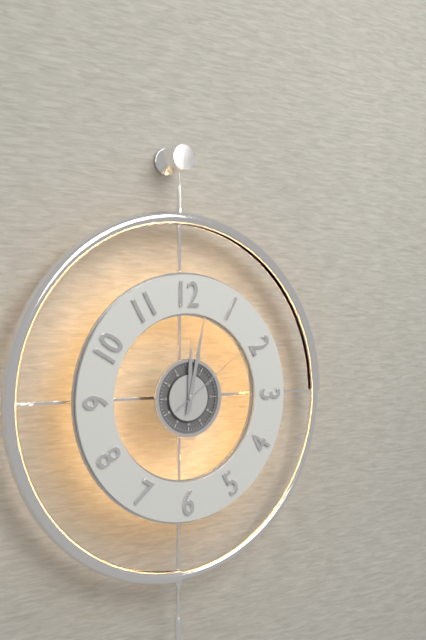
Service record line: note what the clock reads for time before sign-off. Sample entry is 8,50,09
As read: 12,02,09
